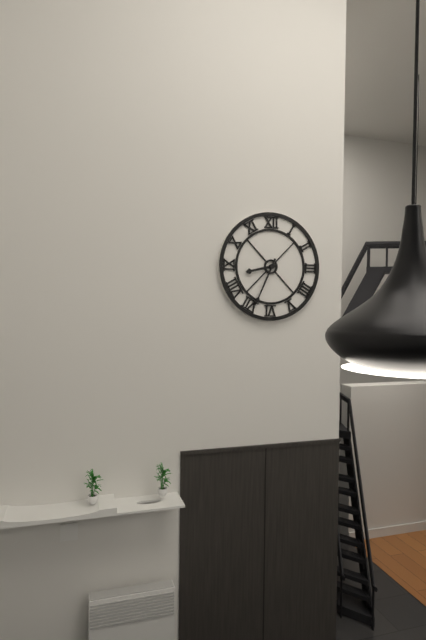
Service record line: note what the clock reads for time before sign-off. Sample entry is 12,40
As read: 8,34
